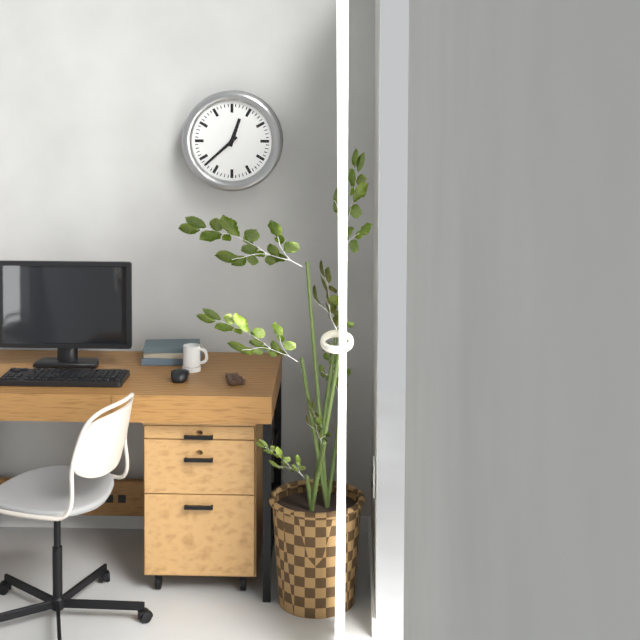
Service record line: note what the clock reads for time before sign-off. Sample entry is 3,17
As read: 12,38
